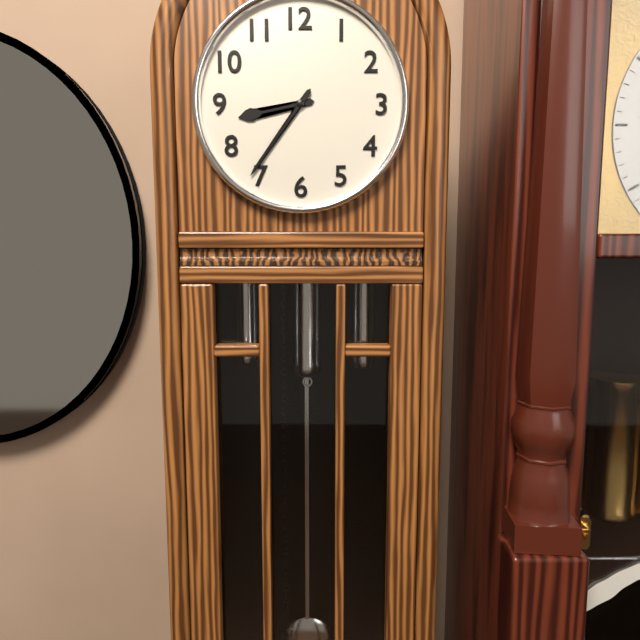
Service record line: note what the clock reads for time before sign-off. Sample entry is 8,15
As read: 8,36
